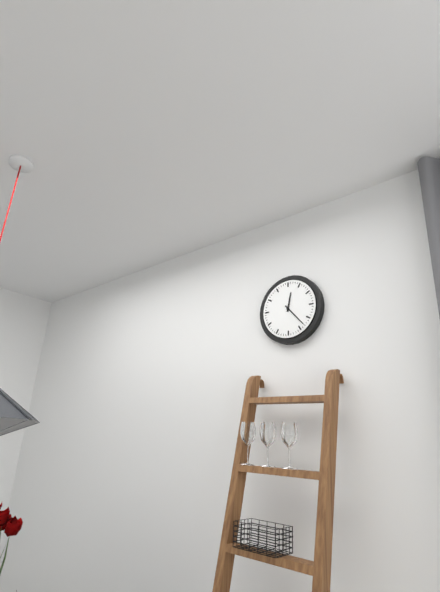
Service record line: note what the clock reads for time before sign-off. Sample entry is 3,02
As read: 12,23
